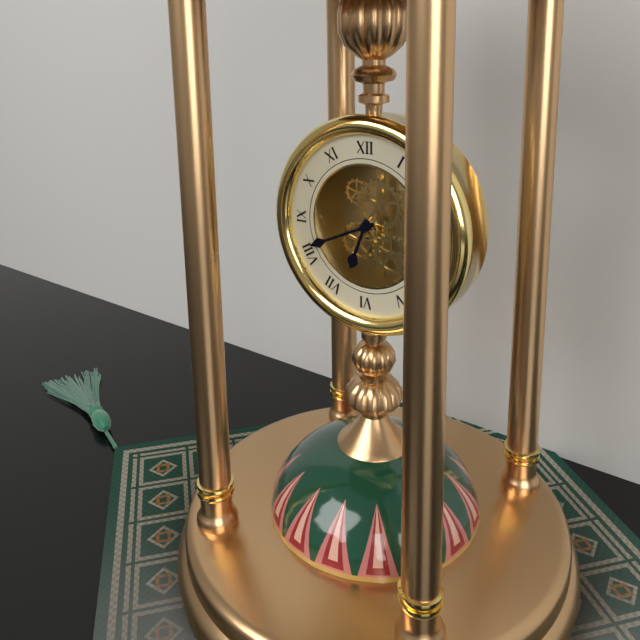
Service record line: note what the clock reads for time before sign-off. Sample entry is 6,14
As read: 6,41
